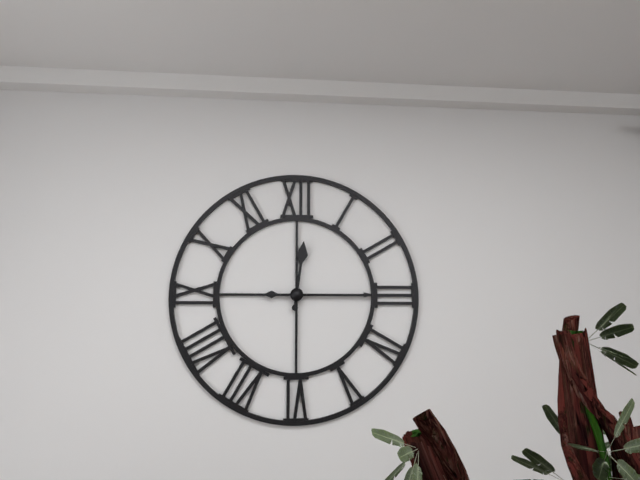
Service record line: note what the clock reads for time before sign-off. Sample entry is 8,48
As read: 12,15
